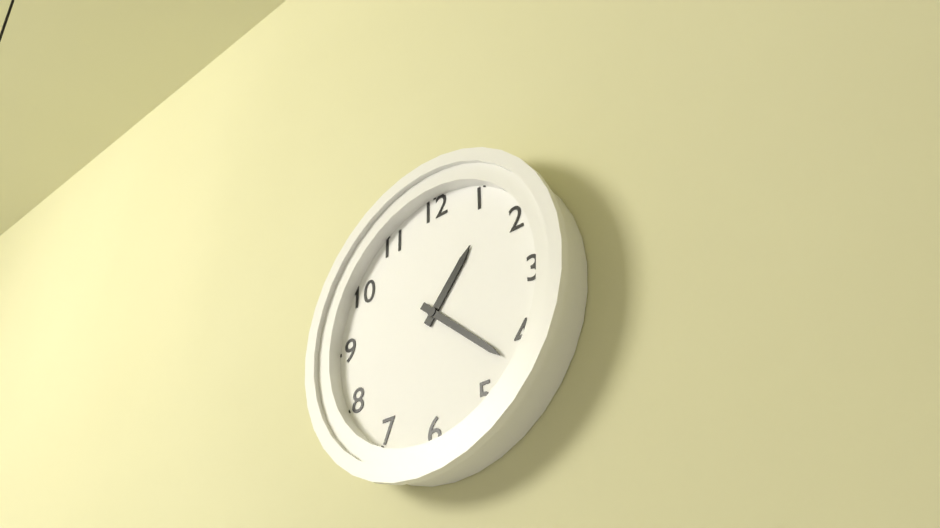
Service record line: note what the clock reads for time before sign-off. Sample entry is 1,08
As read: 1,22
